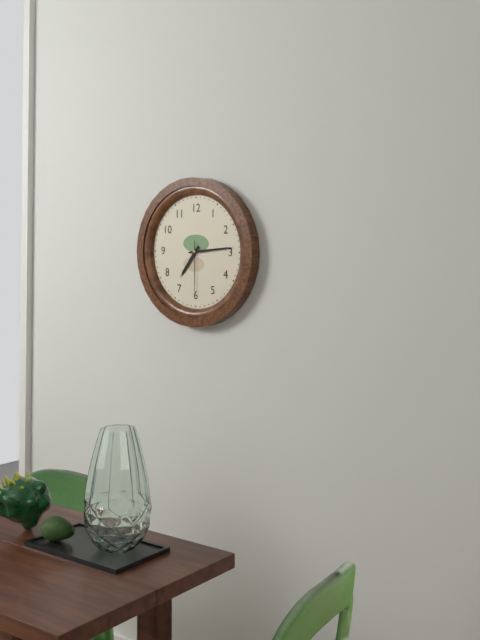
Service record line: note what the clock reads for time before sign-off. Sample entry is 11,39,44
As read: 7,14,30
